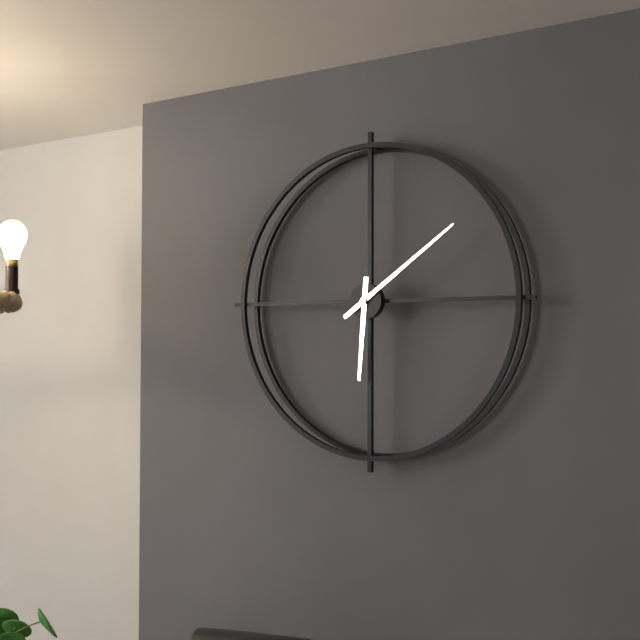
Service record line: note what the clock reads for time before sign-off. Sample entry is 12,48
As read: 6,09
